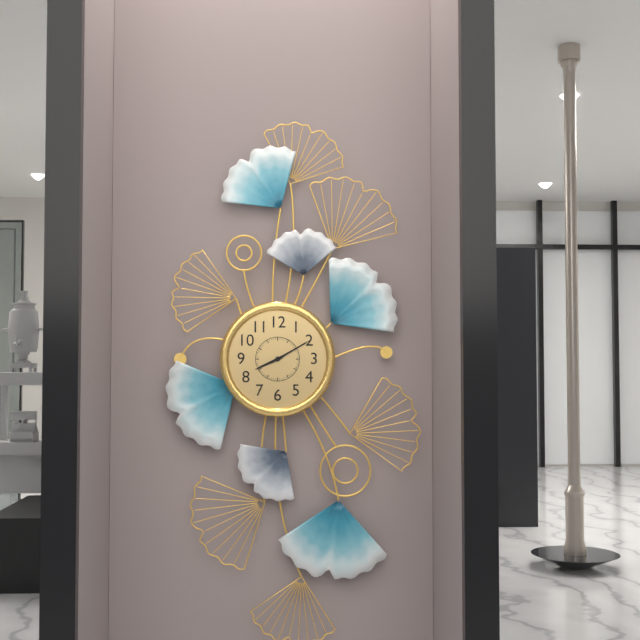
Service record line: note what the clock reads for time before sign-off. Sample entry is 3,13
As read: 8,10
